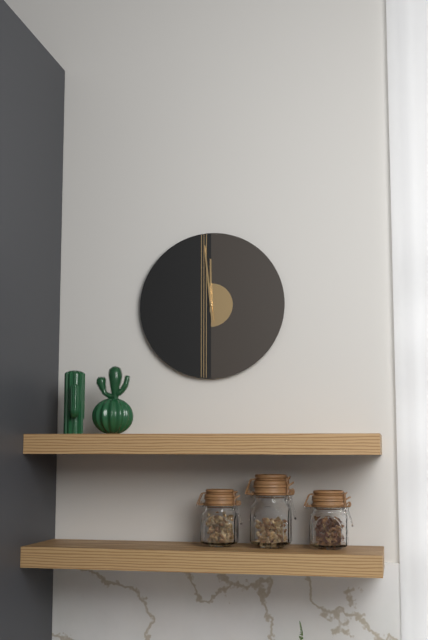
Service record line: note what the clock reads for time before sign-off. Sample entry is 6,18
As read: 11,59
